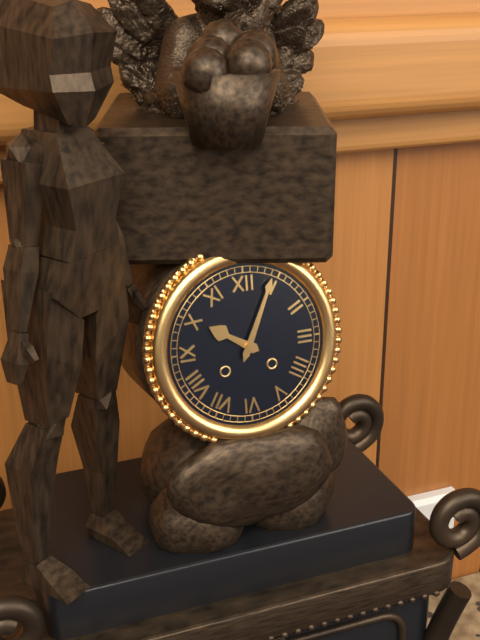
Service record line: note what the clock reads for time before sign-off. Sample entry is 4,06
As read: 10,04
